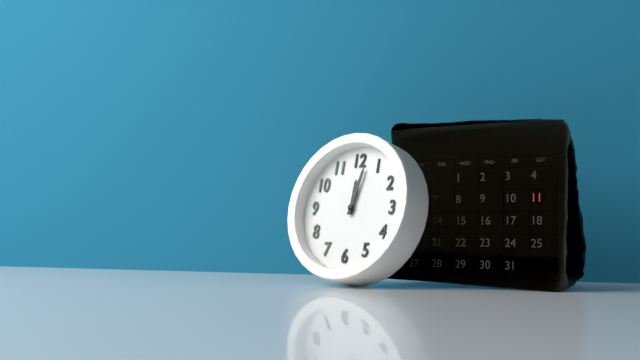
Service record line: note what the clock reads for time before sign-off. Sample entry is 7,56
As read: 12,02
